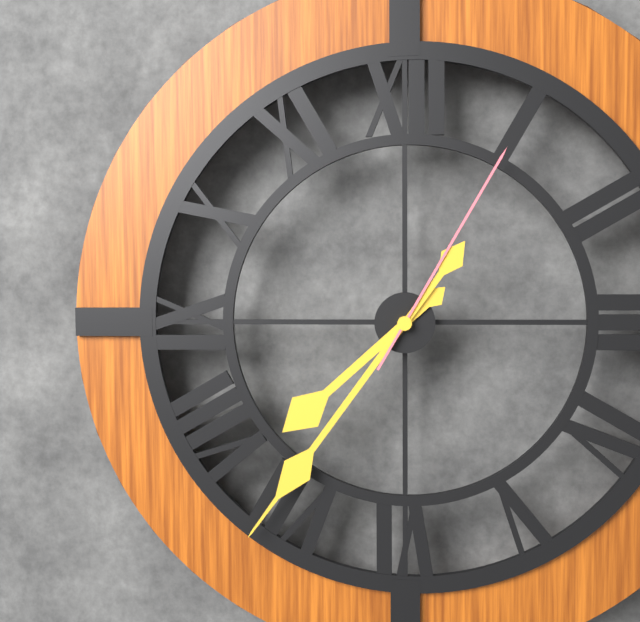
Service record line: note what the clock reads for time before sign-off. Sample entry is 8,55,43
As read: 7,36,05
